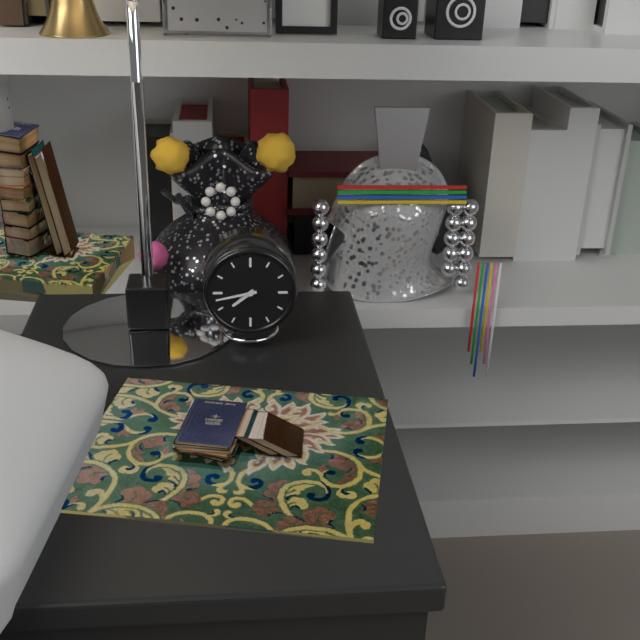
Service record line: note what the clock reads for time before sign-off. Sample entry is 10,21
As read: 7,43
